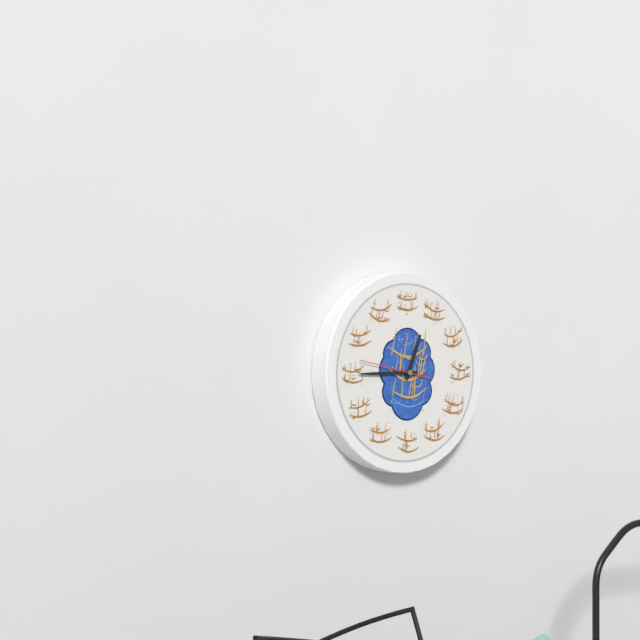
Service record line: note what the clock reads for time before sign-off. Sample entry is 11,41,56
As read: 12,45,47
